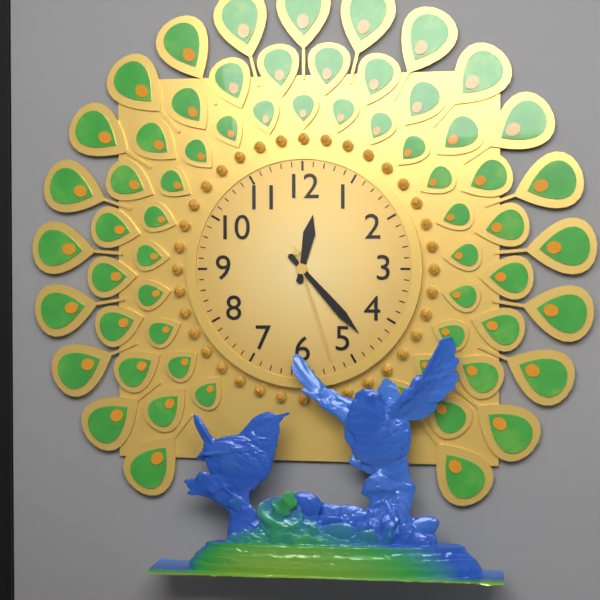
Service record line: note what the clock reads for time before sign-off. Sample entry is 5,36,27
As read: 12,23,27
